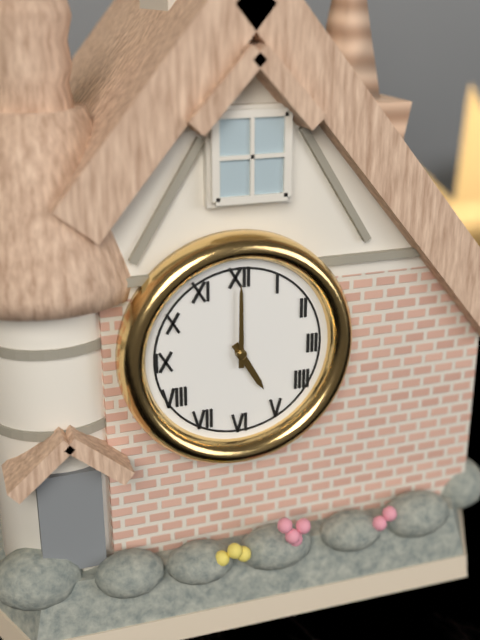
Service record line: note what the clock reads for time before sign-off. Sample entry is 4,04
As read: 5,00
